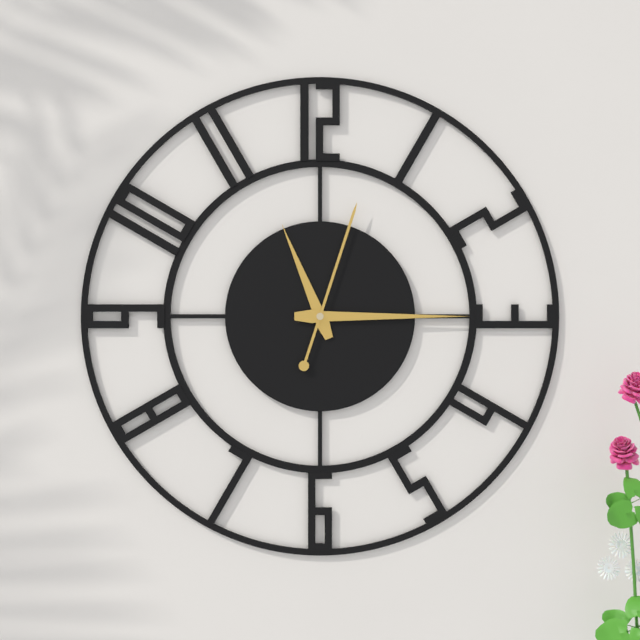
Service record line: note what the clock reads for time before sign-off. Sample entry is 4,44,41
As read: 11,15,03
